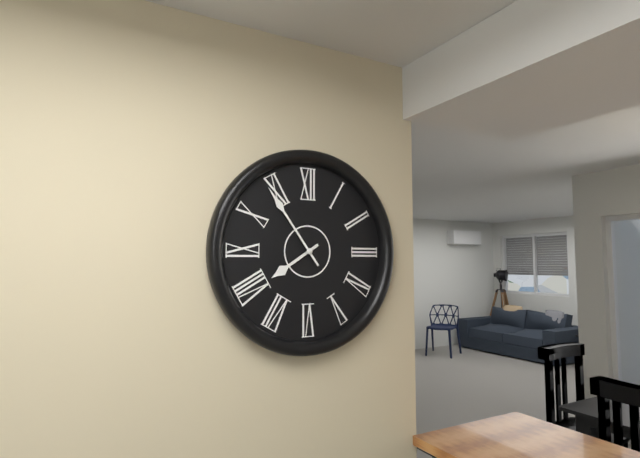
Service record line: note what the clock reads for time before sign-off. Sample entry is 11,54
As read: 7,54
